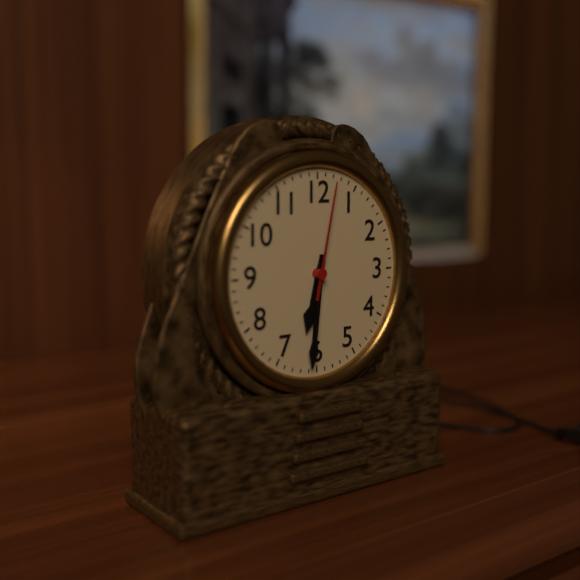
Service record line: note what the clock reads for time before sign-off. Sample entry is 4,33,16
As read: 6,31,02
